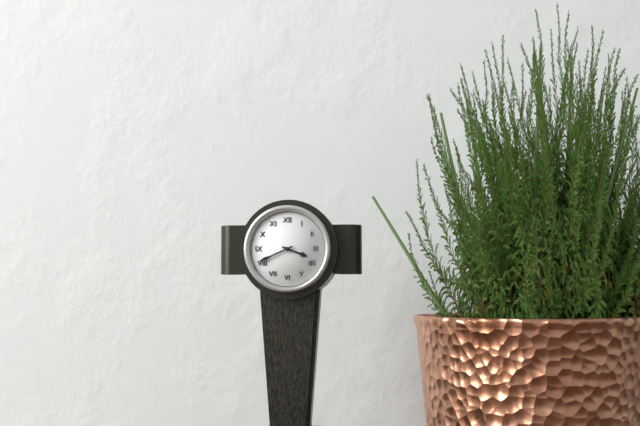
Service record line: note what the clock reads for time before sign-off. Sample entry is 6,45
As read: 3,41
